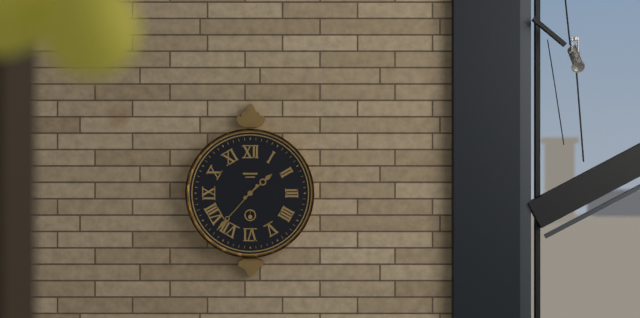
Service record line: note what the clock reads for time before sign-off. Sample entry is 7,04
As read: 1,37
